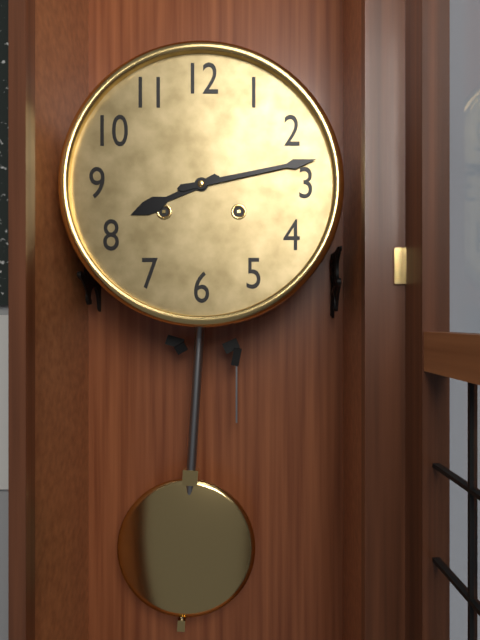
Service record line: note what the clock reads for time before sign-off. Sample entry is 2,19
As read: 8,13
